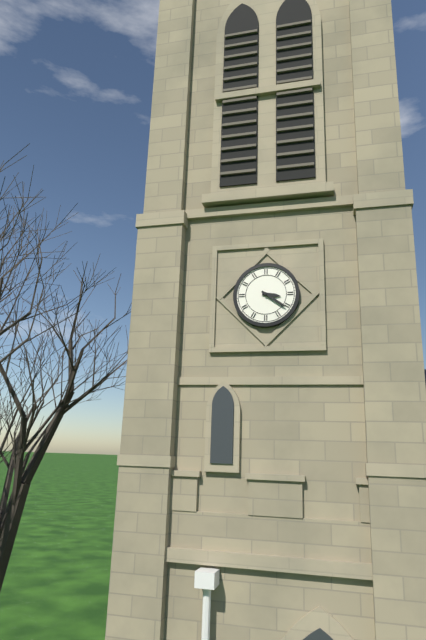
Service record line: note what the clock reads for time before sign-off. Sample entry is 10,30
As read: 3,21
